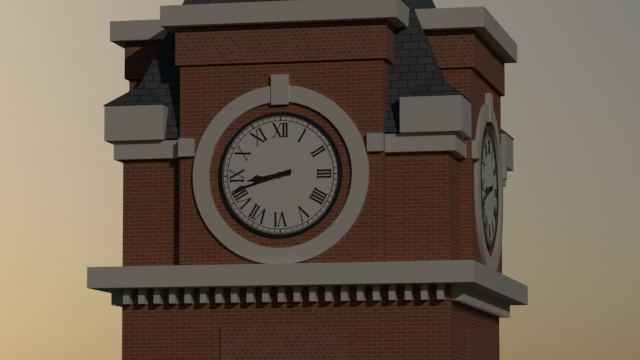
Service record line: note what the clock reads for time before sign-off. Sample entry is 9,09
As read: 8,42
